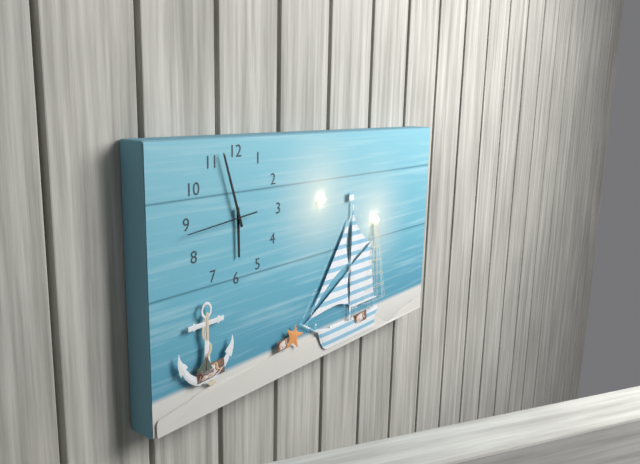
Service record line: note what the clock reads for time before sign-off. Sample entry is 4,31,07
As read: 5,57,44
